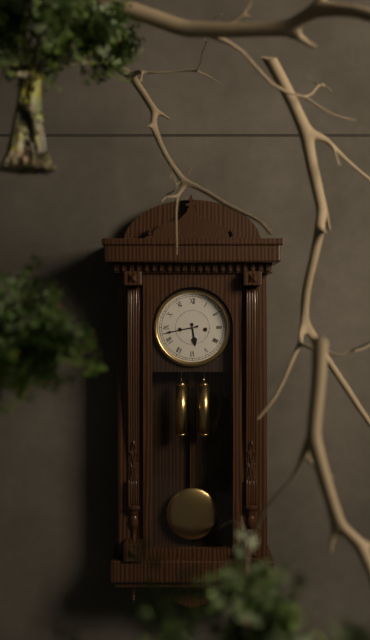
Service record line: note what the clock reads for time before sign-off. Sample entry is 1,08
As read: 5,43
